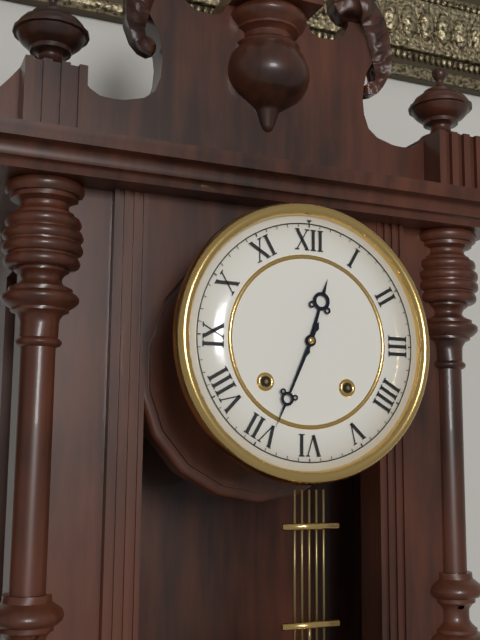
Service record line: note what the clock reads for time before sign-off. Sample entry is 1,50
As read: 12,34
